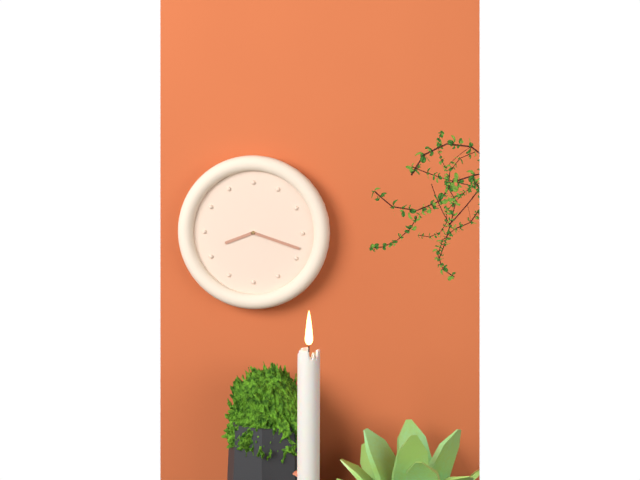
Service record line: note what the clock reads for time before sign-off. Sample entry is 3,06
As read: 8,18
